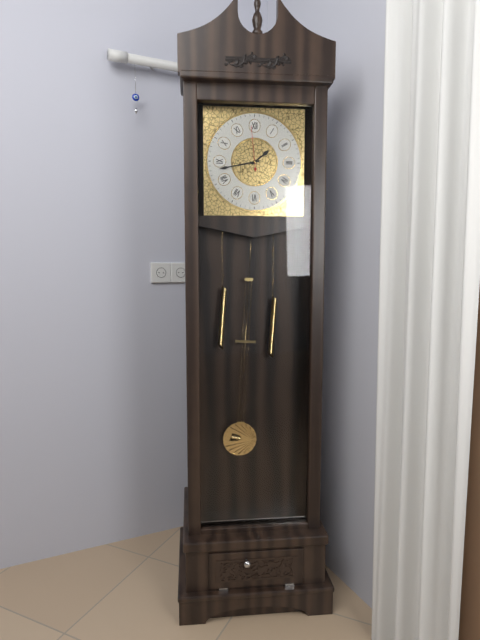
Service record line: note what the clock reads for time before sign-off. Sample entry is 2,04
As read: 1,43
